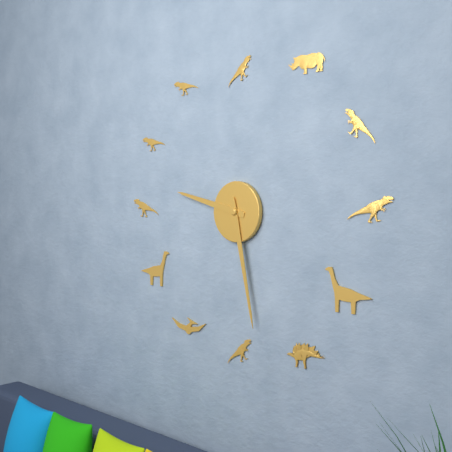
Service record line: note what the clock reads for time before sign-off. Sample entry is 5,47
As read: 9,28
